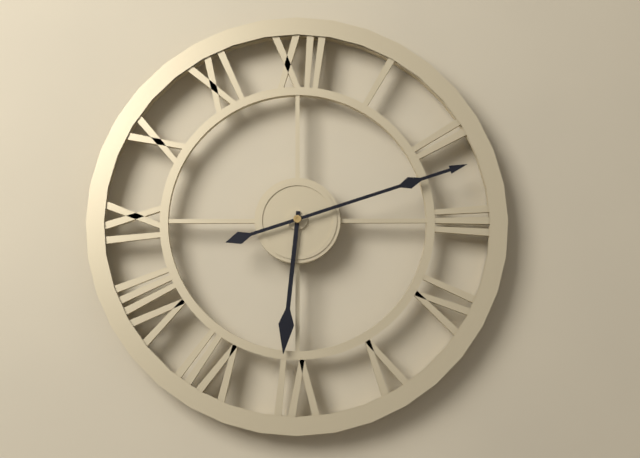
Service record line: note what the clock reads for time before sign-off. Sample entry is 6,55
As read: 6,12
